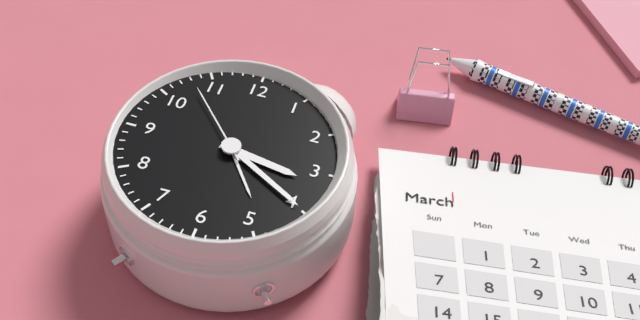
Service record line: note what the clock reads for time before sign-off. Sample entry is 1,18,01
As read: 3,20,53
